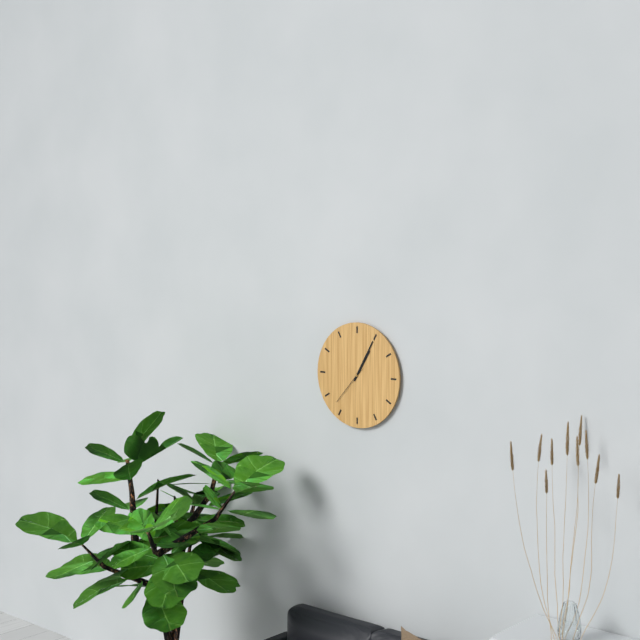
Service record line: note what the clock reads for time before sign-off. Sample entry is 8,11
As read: 1,05
